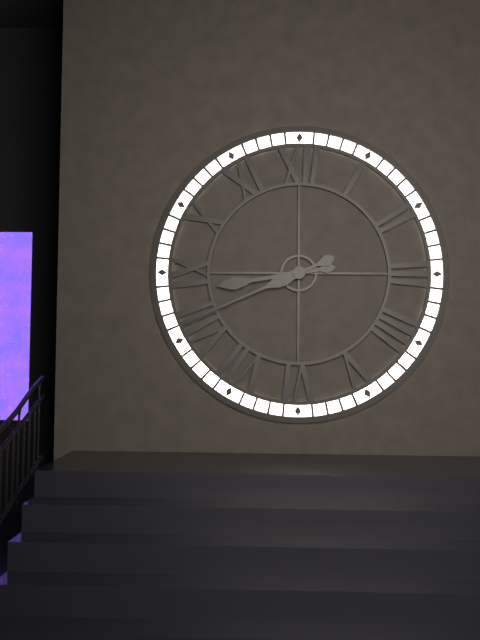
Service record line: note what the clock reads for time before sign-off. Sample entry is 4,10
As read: 8,41
